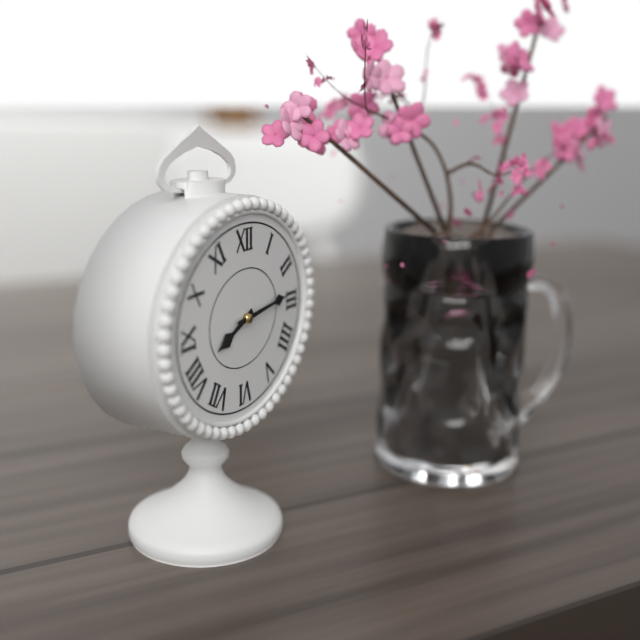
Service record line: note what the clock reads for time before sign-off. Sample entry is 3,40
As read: 8,14
